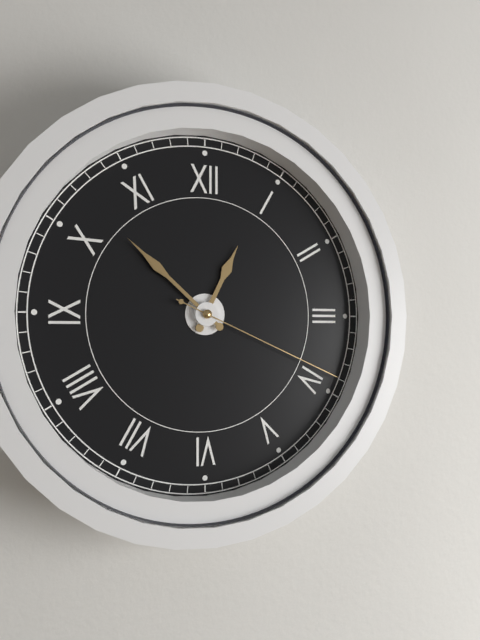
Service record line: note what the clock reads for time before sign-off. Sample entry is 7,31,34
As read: 12,52,19
